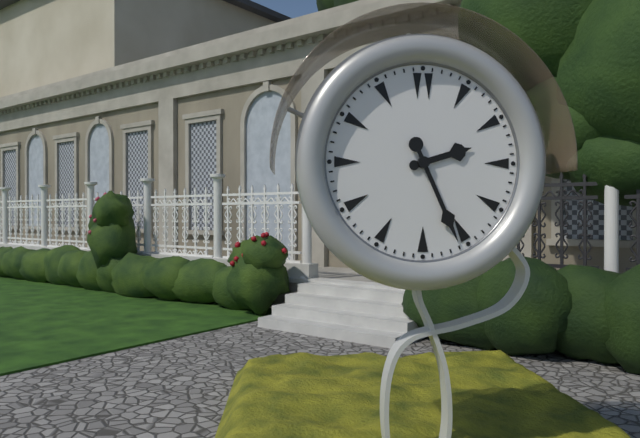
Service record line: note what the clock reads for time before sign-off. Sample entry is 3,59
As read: 2,26
